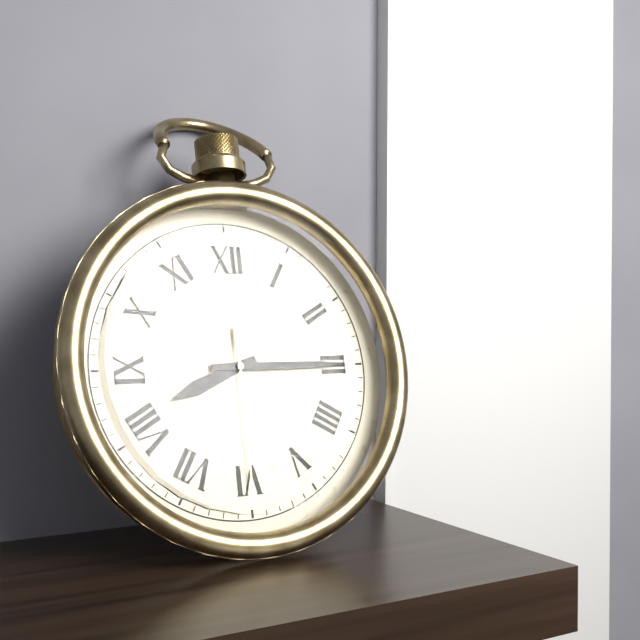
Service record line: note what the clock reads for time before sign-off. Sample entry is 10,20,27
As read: 8,15,30
